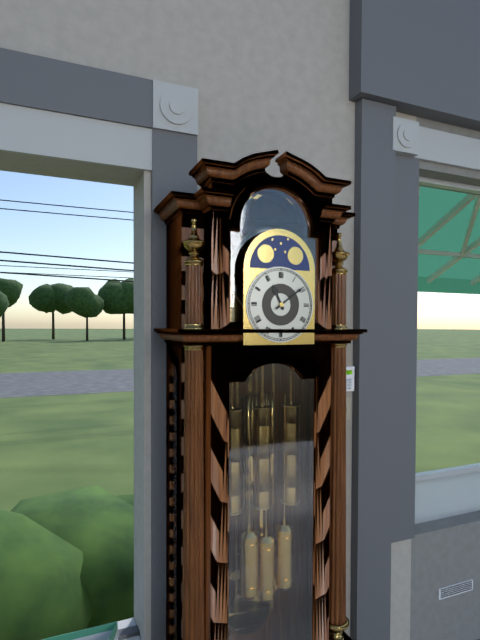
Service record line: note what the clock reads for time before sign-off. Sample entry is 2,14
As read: 11,09
